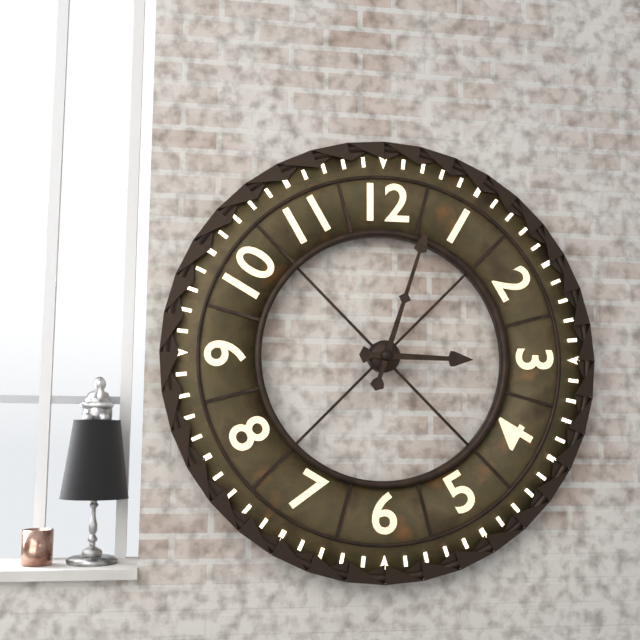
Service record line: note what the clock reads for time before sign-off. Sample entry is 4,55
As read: 3,03
